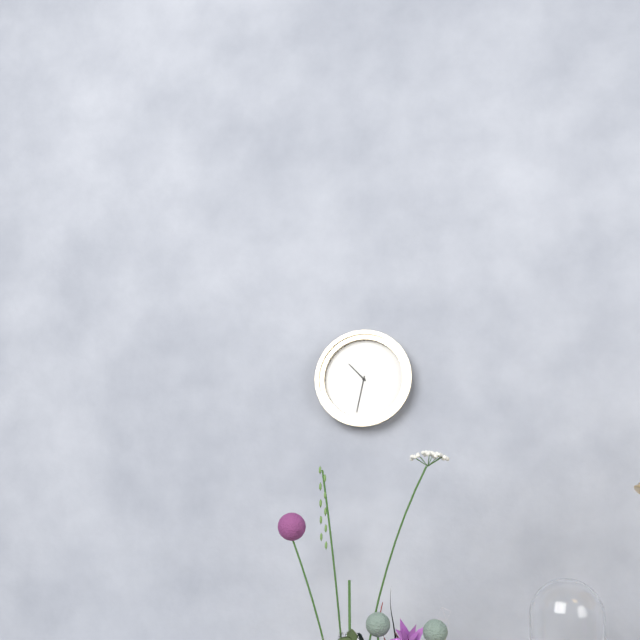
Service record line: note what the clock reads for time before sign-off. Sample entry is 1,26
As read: 10,32
